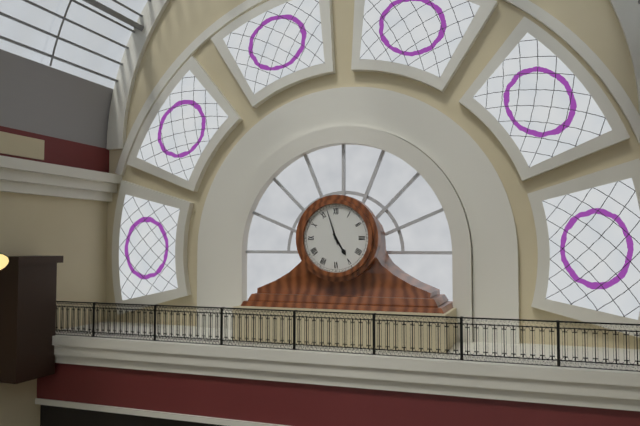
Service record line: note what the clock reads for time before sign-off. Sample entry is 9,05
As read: 4,57
